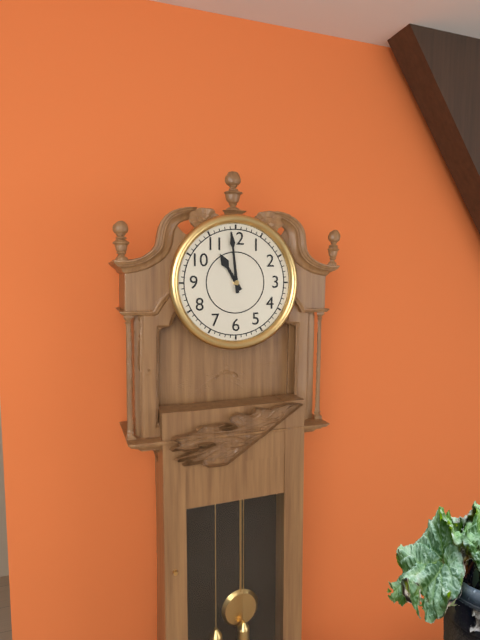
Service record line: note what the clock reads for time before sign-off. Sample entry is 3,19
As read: 10,59
